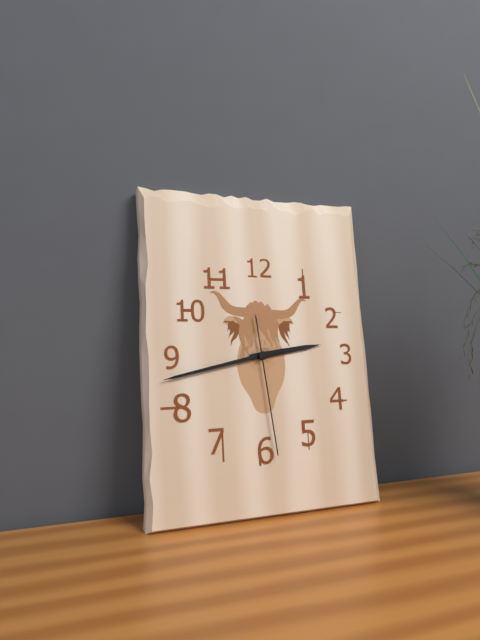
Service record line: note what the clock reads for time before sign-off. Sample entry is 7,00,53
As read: 2,43,29
